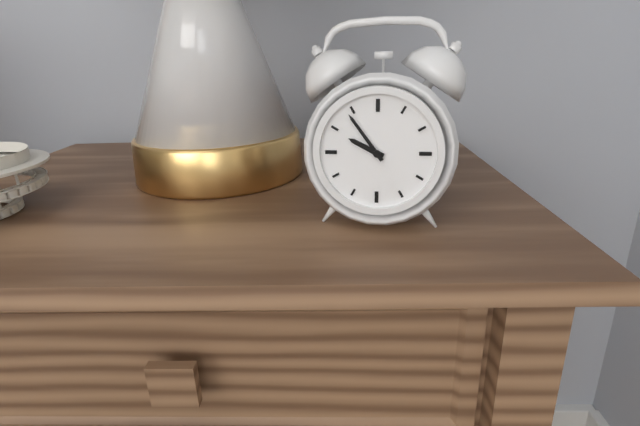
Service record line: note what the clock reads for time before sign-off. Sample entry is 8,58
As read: 9,54
